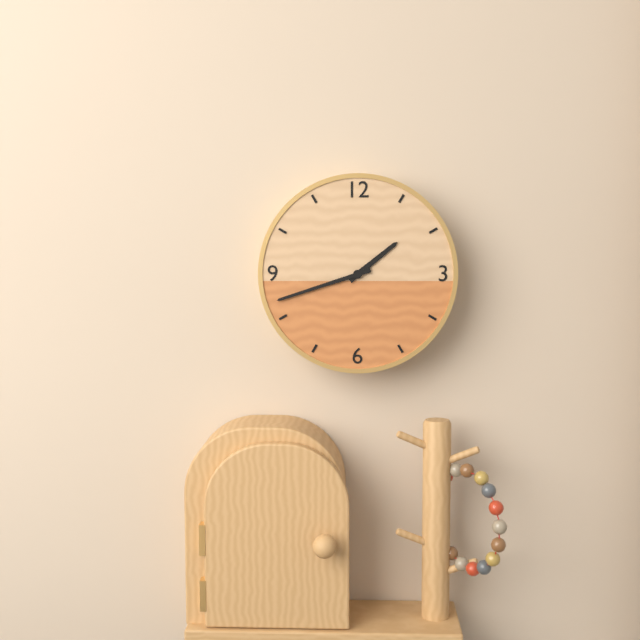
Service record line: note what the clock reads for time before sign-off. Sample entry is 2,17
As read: 1,42
